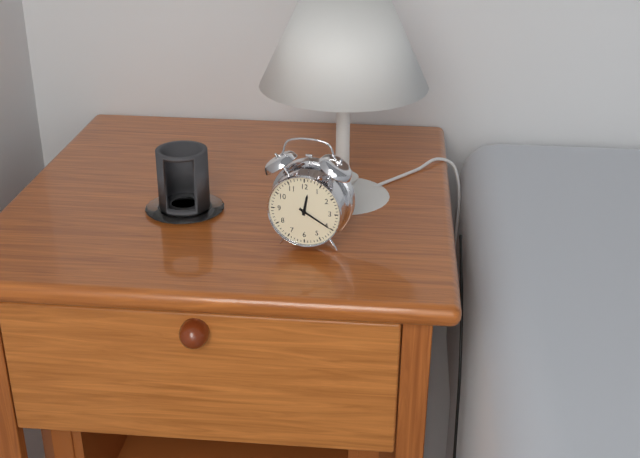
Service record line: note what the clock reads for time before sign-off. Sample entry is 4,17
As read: 12,20
